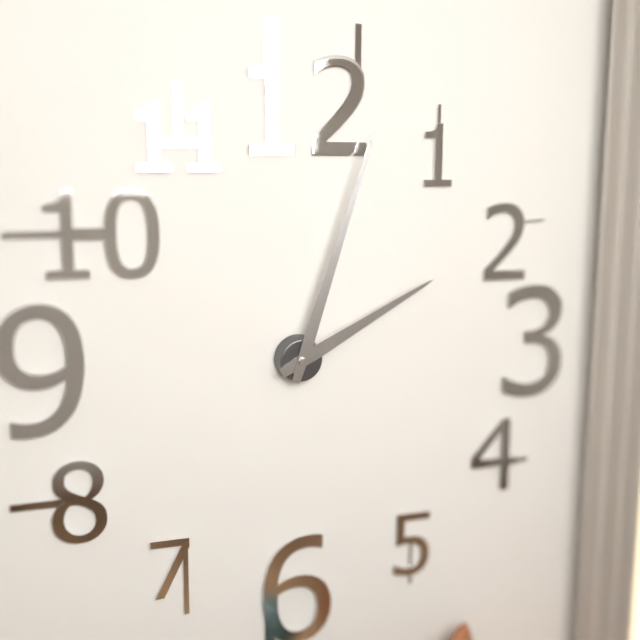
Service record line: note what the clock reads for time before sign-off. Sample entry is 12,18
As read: 2,03
